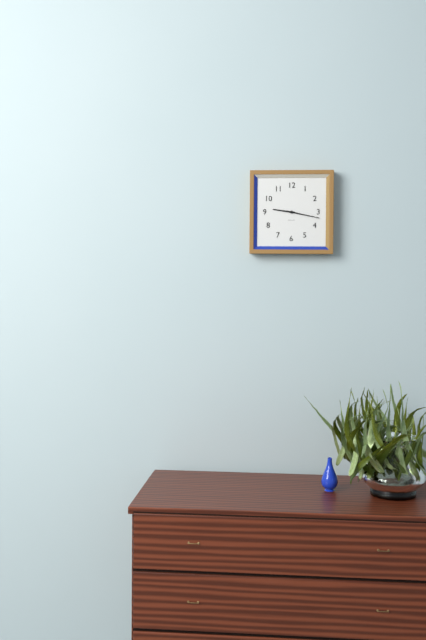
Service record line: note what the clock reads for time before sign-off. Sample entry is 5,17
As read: 9,17
